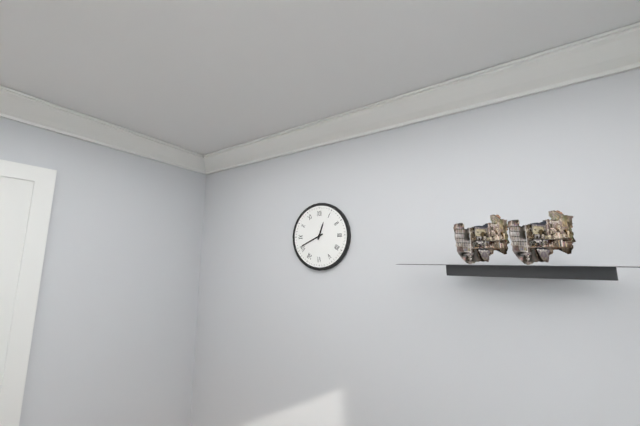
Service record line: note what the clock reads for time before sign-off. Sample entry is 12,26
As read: 12,41
